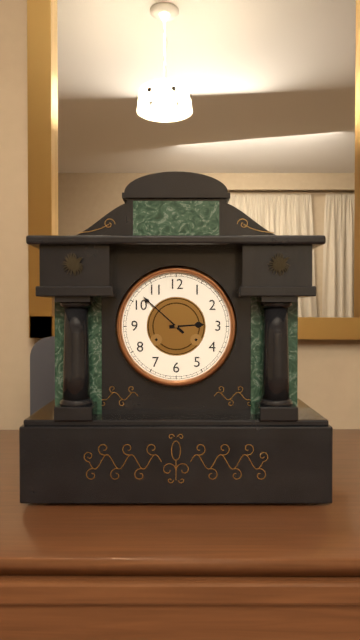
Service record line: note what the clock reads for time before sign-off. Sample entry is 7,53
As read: 2,52
